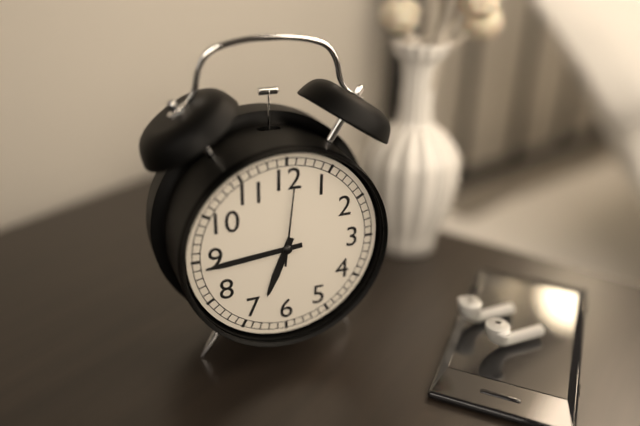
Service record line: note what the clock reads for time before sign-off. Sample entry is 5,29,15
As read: 6,44,01
